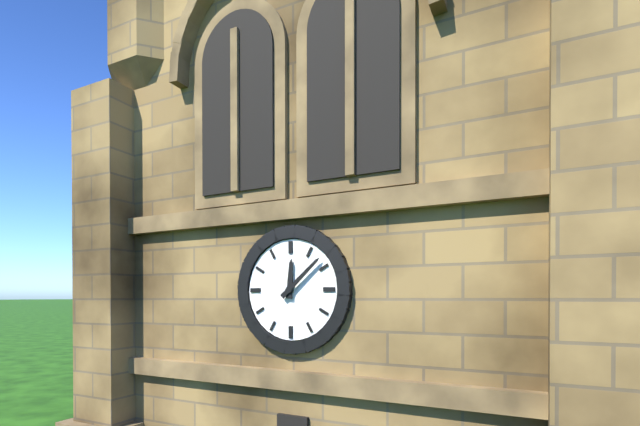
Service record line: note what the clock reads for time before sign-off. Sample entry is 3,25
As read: 12,08
